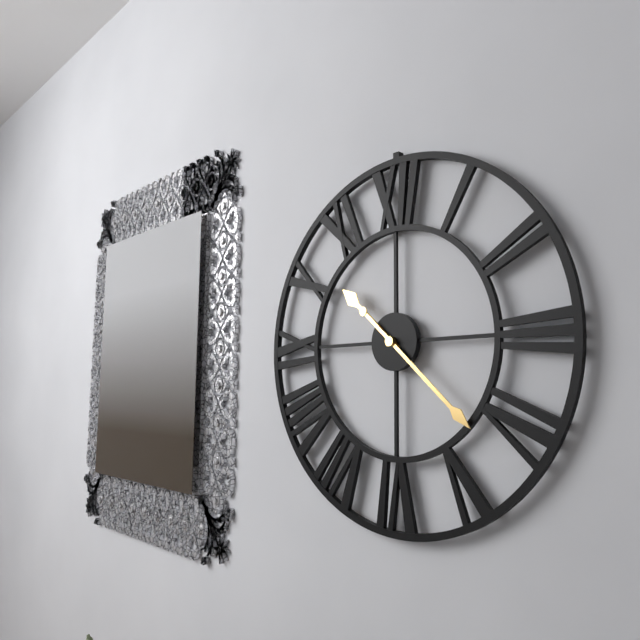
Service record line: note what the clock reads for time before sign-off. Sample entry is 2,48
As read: 10,22
